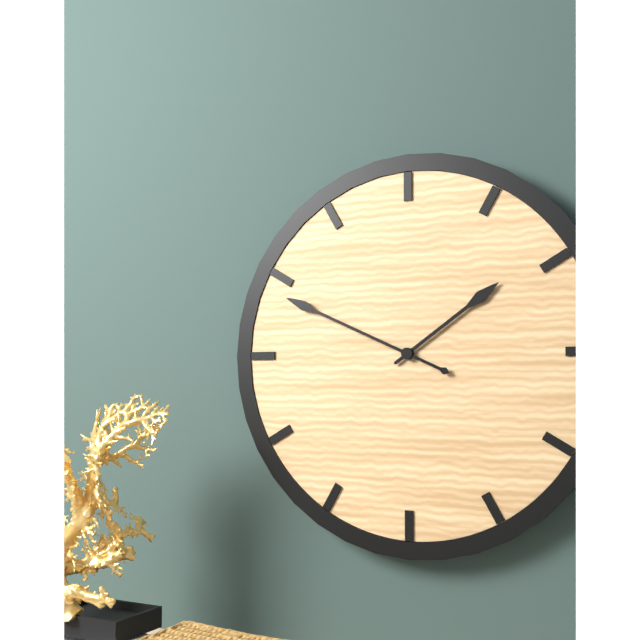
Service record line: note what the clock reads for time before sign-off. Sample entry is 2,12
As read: 1,49
